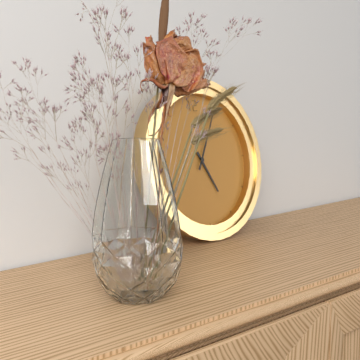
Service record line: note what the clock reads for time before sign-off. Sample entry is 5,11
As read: 5,05
